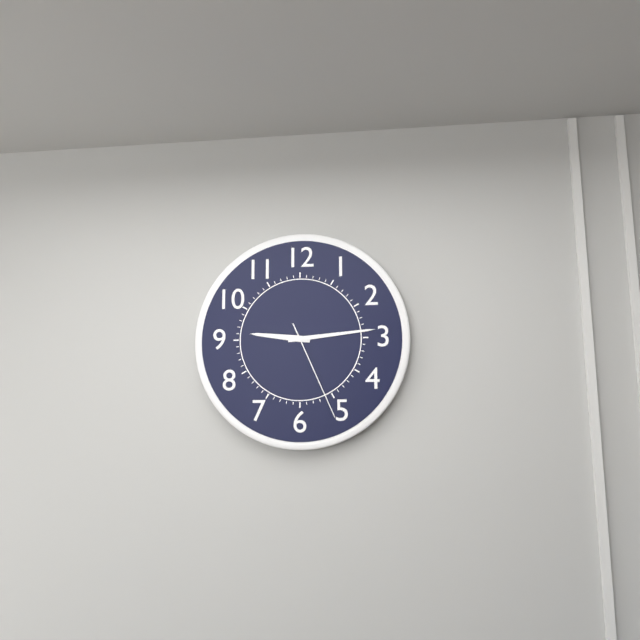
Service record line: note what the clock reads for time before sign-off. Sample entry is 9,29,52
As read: 9,14,26
